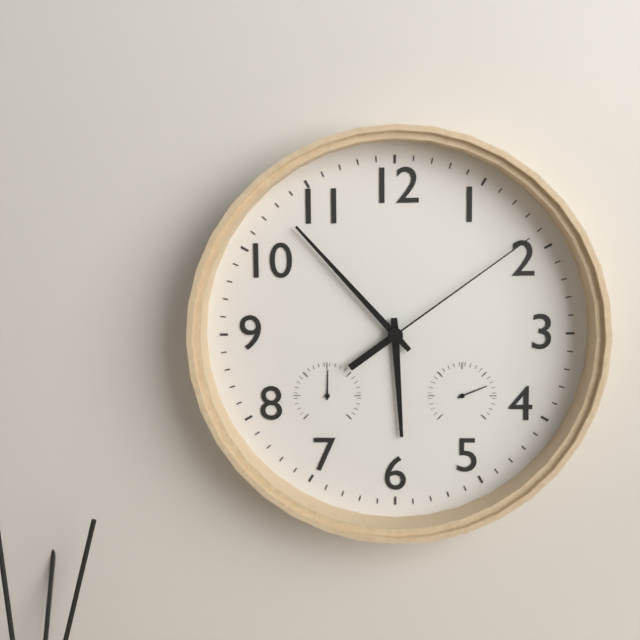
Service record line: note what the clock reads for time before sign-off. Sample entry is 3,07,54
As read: 5,53,09
